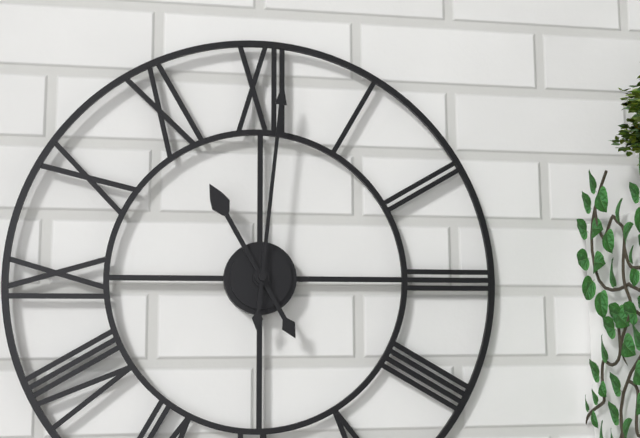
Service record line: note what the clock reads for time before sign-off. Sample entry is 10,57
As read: 11,01
